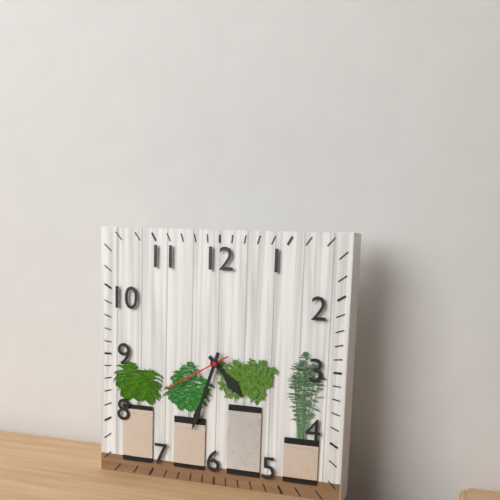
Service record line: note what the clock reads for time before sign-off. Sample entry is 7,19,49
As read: 4,33,40
